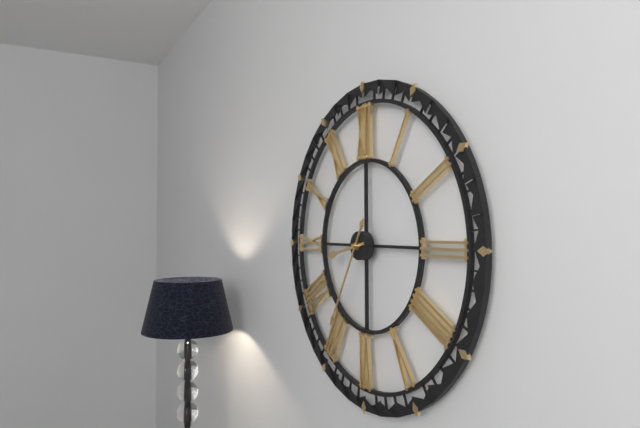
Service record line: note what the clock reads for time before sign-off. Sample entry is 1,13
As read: 8,35
